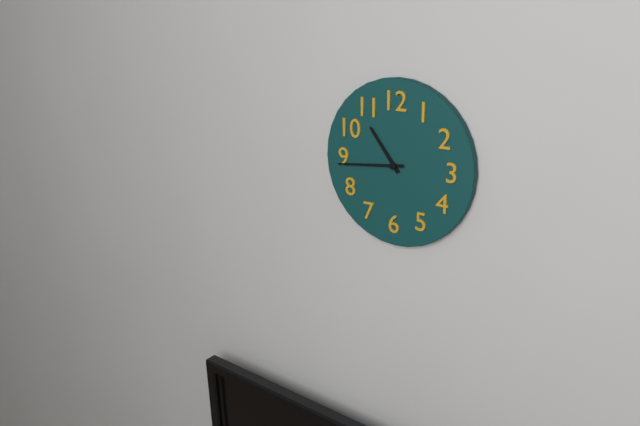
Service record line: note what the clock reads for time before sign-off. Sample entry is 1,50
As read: 10,44
